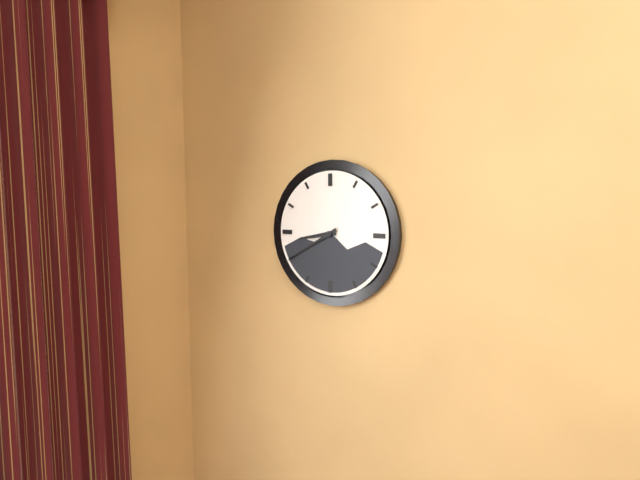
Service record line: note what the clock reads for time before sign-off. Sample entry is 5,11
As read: 8,40
